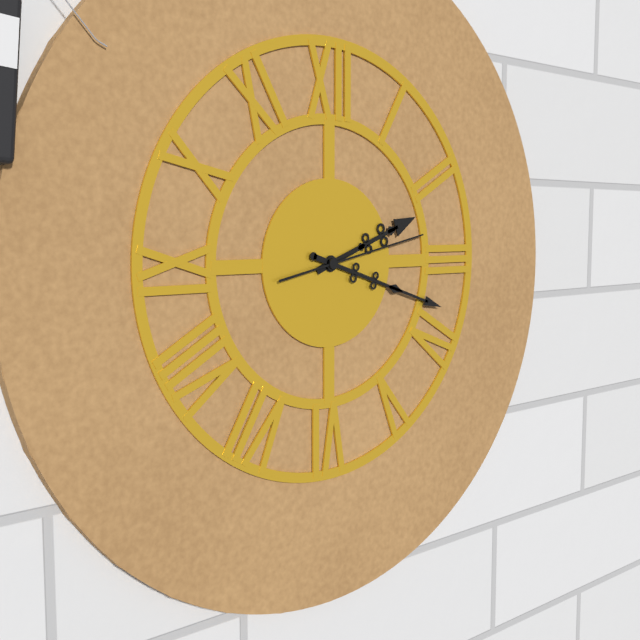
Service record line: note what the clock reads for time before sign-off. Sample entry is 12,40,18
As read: 2,18,13
